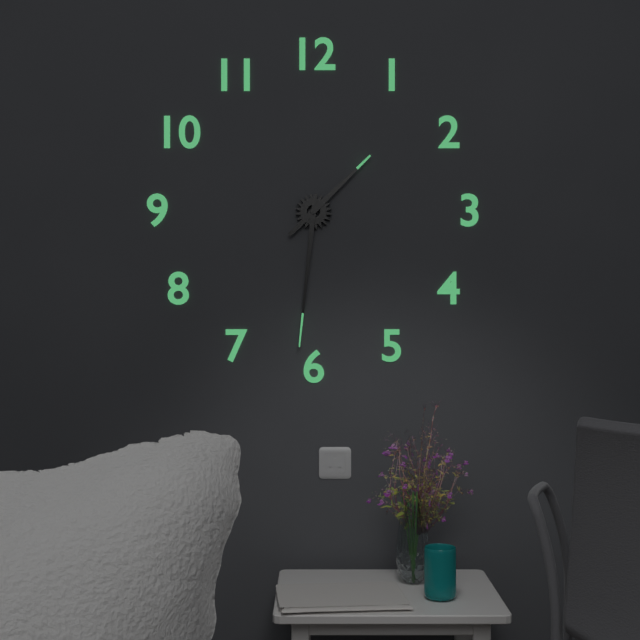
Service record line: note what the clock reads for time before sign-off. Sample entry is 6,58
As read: 1,31
